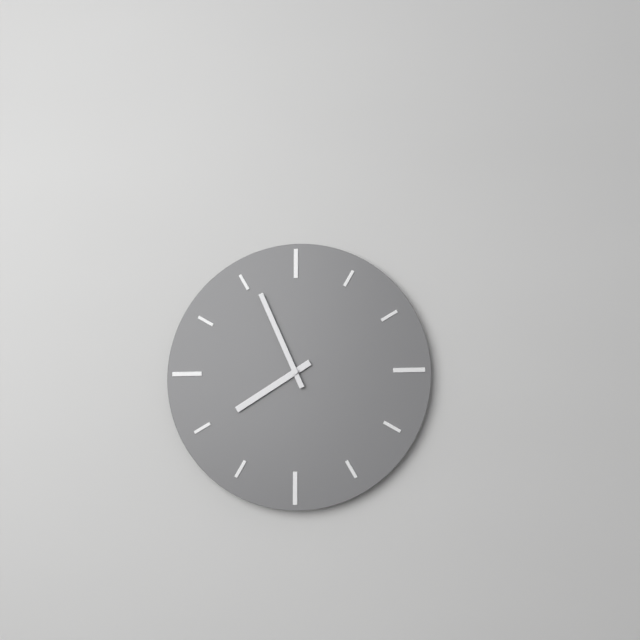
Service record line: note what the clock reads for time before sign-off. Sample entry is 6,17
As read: 7,56
